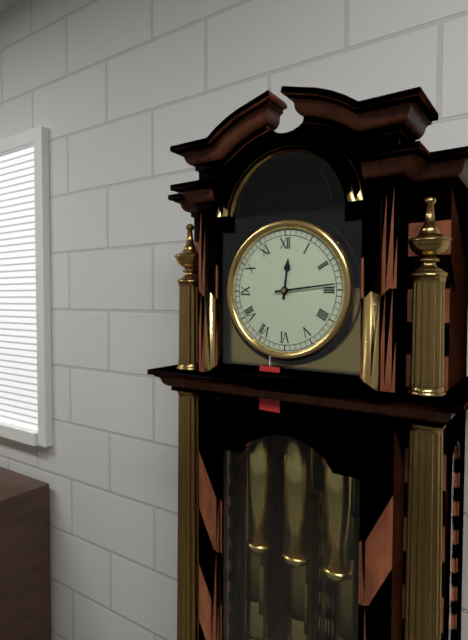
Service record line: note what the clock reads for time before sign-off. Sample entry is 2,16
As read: 12,14
